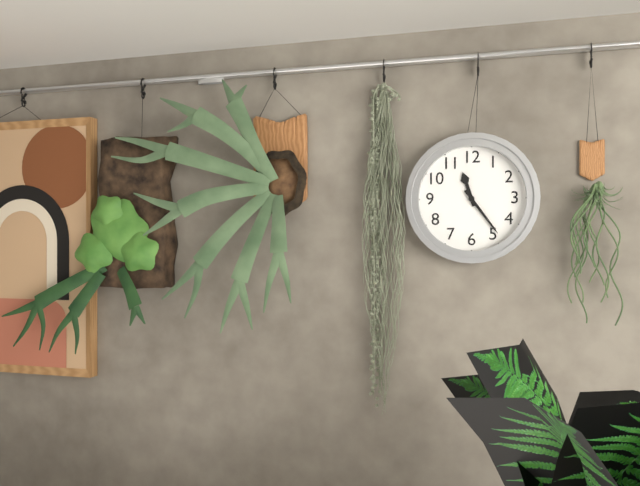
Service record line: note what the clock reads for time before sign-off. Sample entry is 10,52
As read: 11,24
